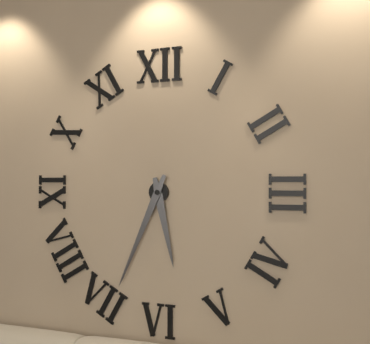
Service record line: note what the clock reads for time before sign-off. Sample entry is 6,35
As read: 5,34
